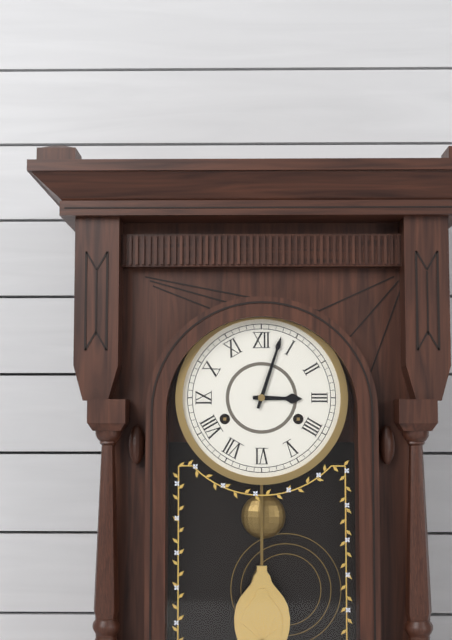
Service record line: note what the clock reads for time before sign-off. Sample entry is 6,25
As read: 3,03
